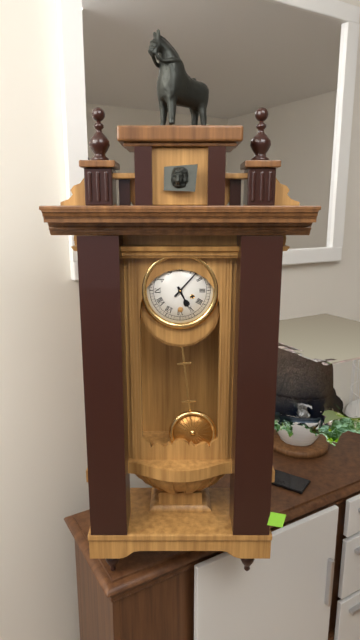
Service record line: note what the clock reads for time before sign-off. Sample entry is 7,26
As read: 5,07
